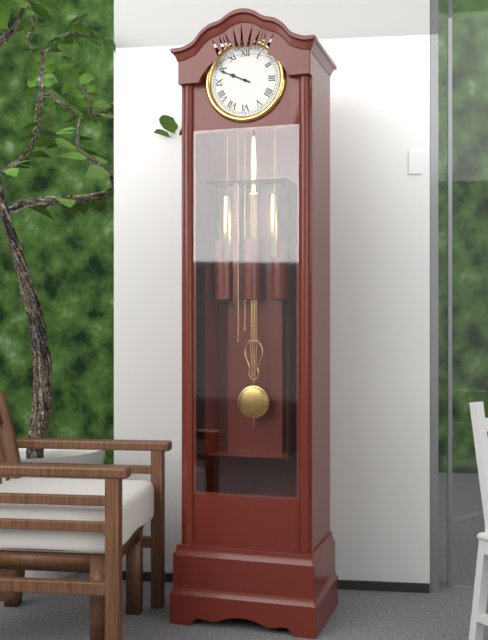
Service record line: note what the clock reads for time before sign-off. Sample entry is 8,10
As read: 9,49
